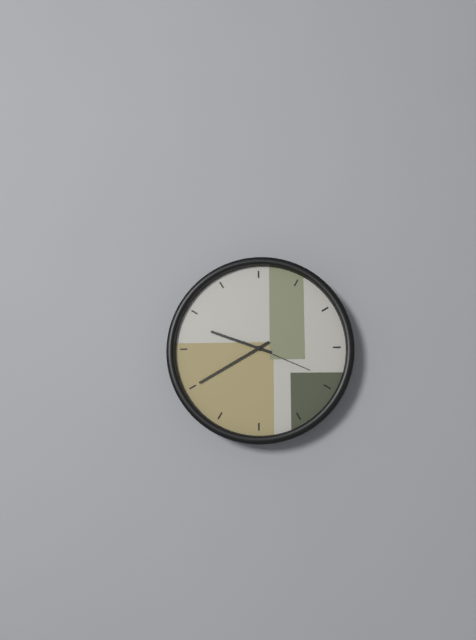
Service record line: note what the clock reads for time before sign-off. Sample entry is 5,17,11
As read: 9,40,19
